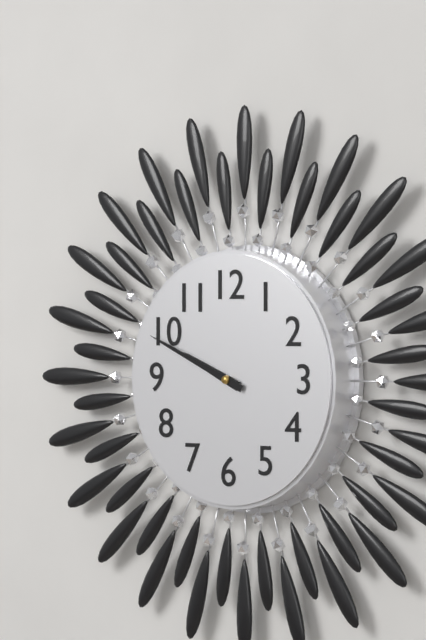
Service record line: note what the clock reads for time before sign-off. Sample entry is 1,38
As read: 9,49
